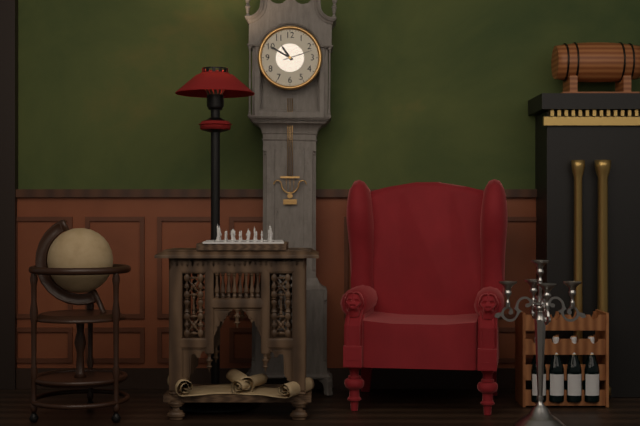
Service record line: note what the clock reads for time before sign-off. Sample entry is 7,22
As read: 10,50
